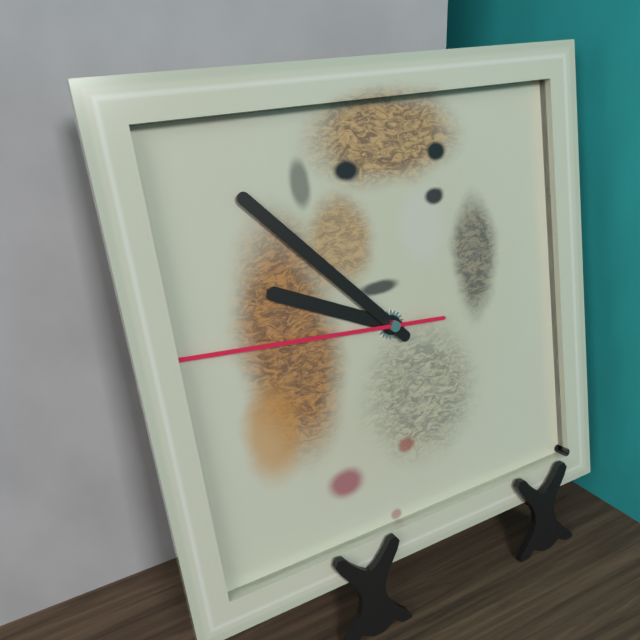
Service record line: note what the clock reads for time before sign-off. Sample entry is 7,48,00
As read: 9,53,46
